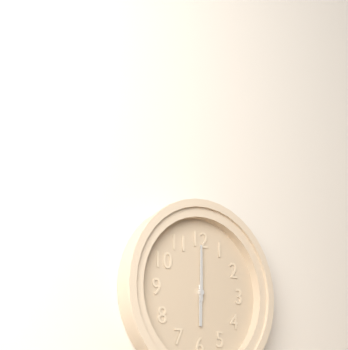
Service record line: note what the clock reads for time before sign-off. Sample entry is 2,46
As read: 6,00
